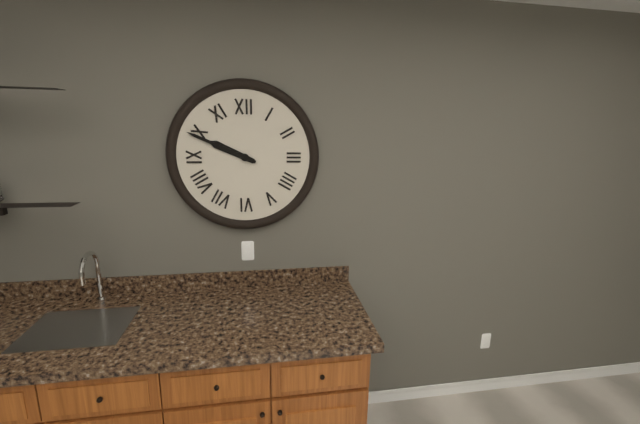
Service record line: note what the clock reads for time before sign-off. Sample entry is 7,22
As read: 9,49
